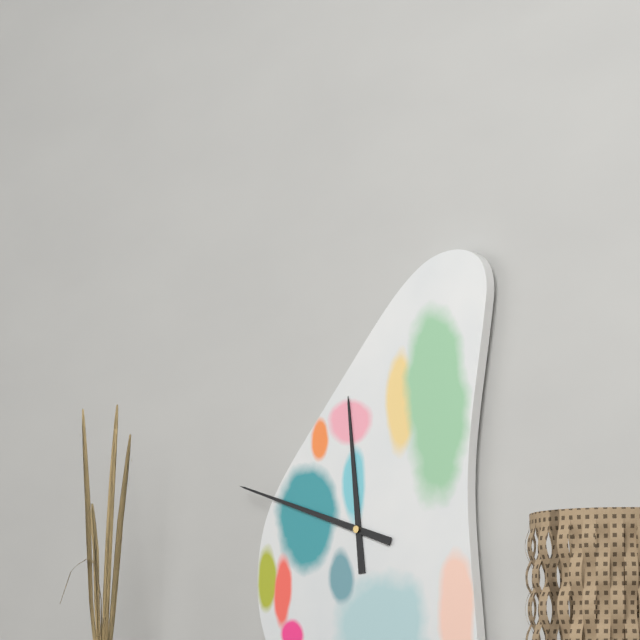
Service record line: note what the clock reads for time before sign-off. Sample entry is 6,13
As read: 11,48
